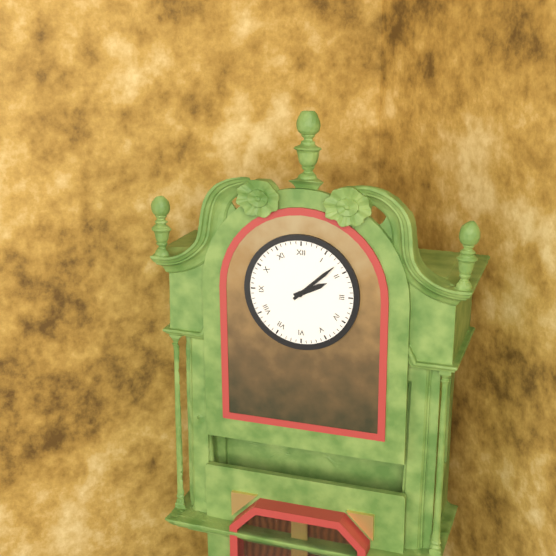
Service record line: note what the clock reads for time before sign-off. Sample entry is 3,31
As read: 2,08
